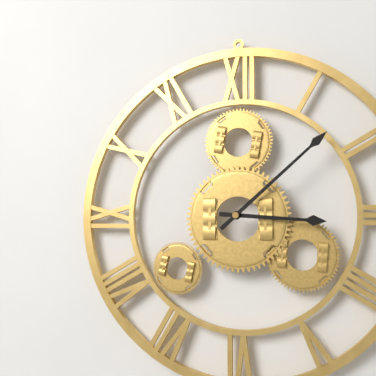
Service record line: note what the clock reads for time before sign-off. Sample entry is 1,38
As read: 3,08
